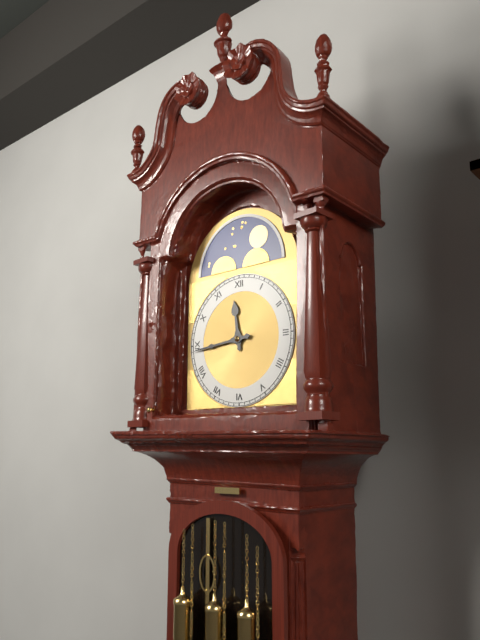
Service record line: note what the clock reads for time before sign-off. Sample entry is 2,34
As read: 11,44
